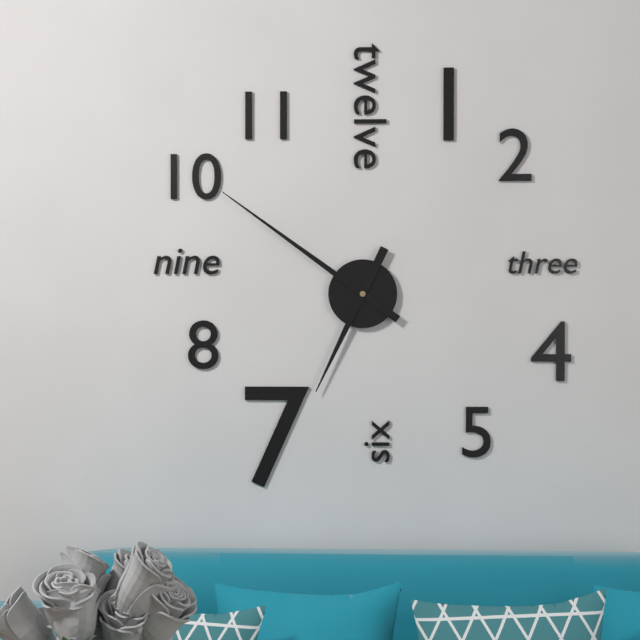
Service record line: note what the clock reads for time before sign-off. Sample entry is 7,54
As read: 6,51
